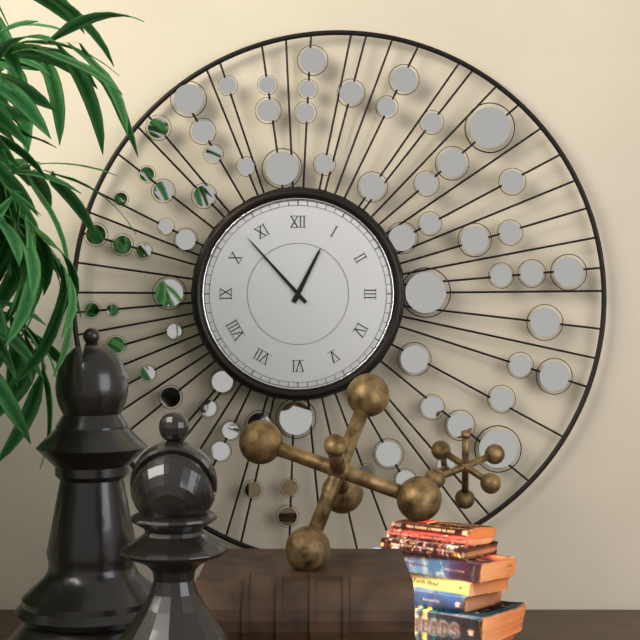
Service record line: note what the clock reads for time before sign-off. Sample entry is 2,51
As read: 12,53
